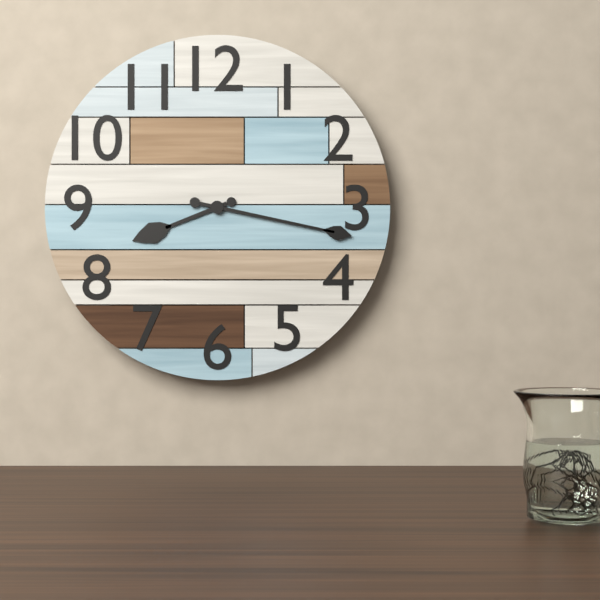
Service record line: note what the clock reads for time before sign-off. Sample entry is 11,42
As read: 8,17
